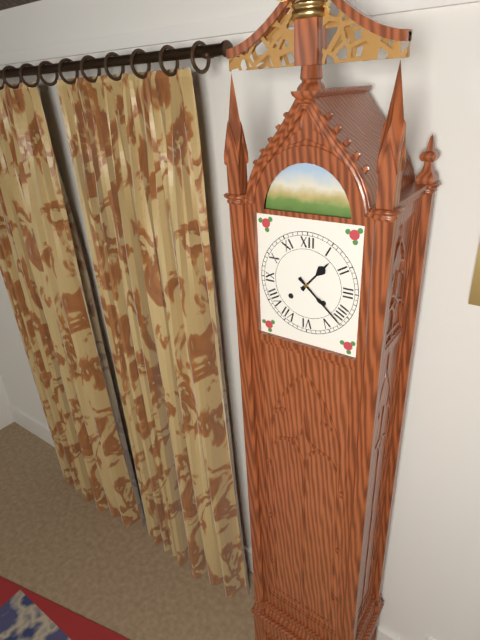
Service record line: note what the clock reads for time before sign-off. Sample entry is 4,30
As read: 1,22
